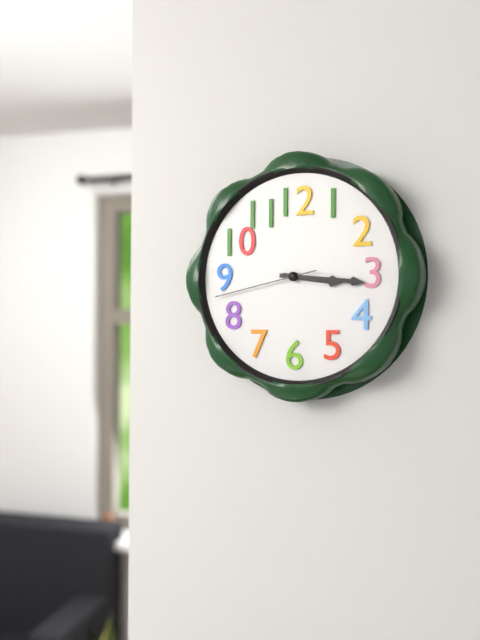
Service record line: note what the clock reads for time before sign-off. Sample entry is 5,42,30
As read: 3,16,43
